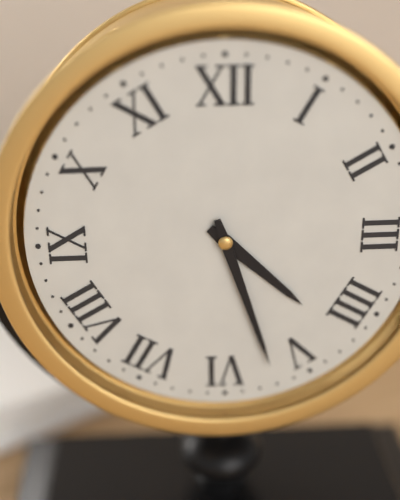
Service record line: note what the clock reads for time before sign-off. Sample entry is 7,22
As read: 4,27
